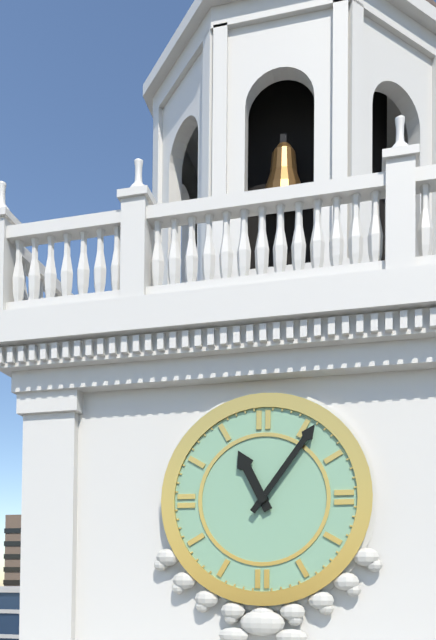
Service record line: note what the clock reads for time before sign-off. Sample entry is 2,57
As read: 11,06
